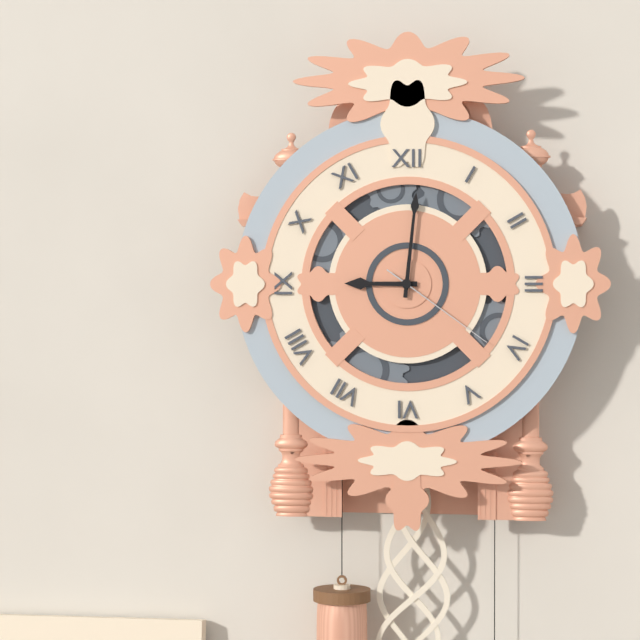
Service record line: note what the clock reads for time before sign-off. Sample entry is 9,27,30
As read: 9,01,21
